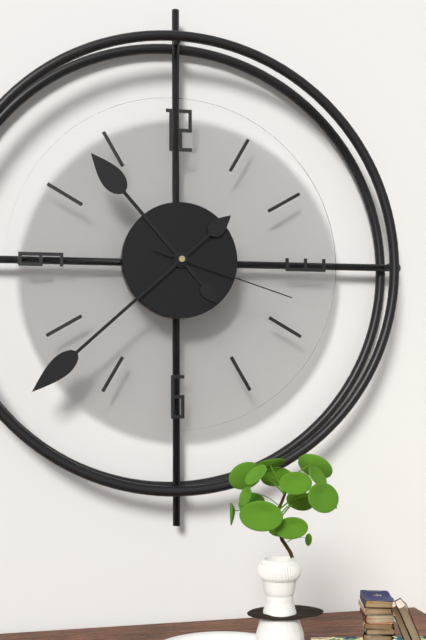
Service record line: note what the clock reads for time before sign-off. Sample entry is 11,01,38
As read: 10,38,18
